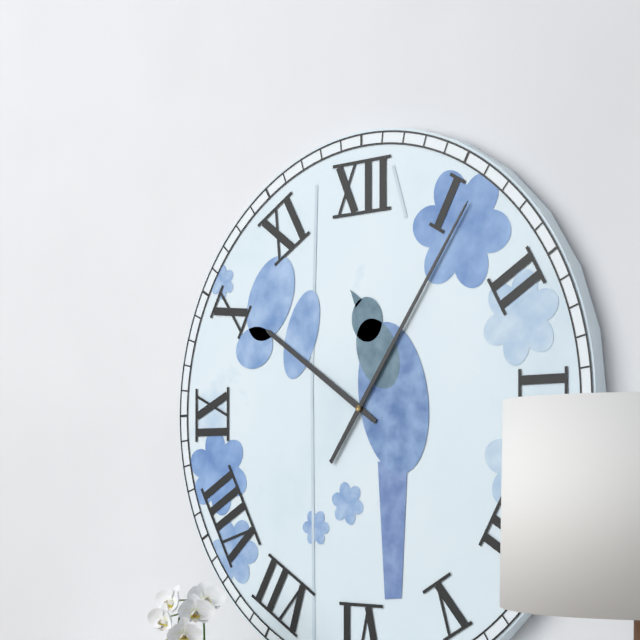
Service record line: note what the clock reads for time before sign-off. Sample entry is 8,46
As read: 10,06
